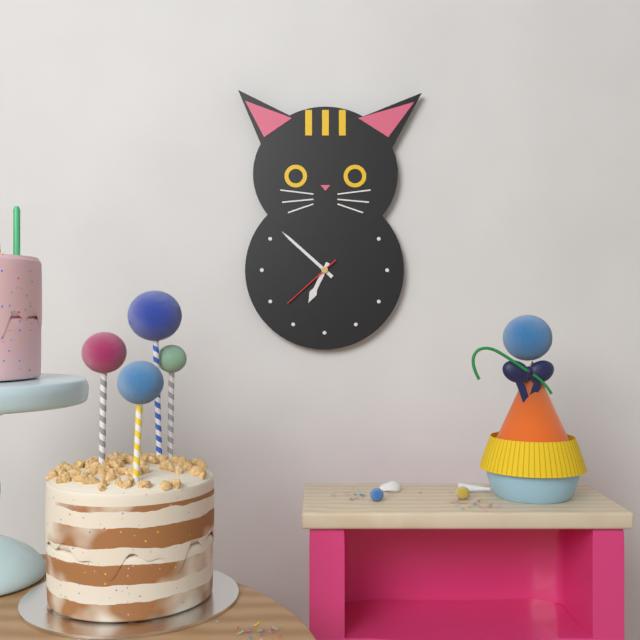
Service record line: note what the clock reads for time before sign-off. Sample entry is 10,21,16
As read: 6,52,38
